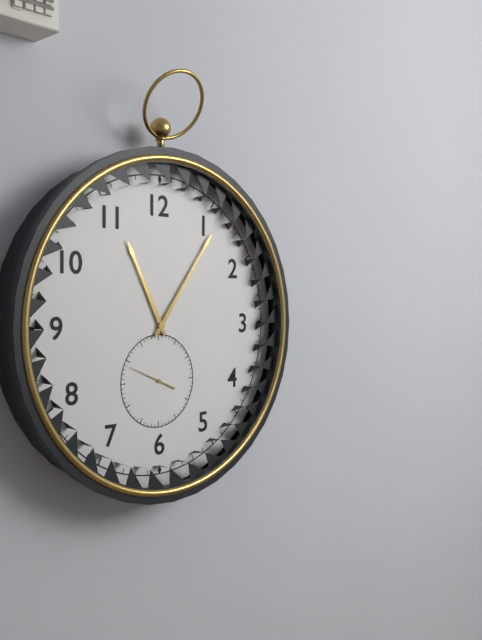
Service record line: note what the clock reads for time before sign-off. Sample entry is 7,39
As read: 11,06
